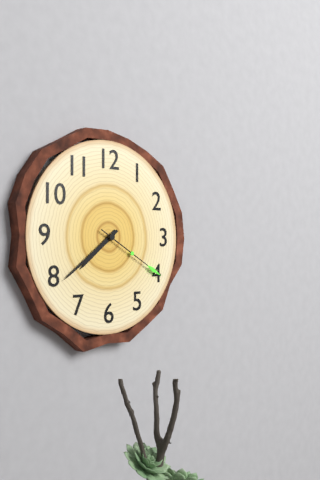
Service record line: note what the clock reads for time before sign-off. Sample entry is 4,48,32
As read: 7,39,20
